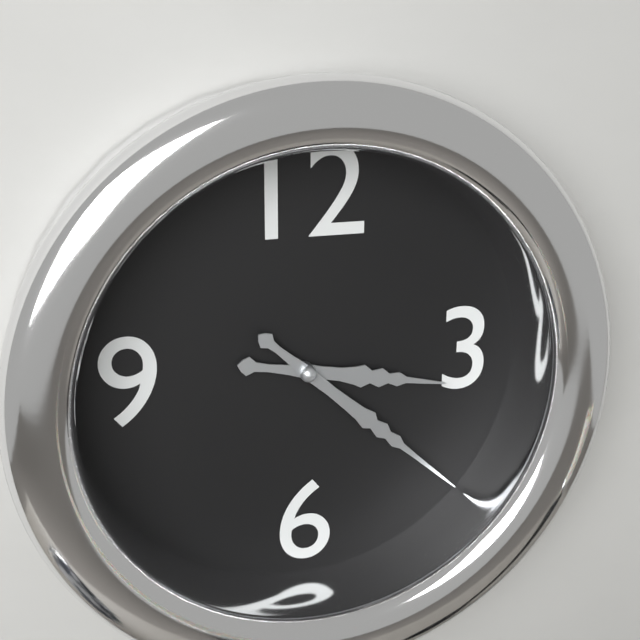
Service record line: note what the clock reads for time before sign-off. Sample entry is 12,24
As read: 3,22
